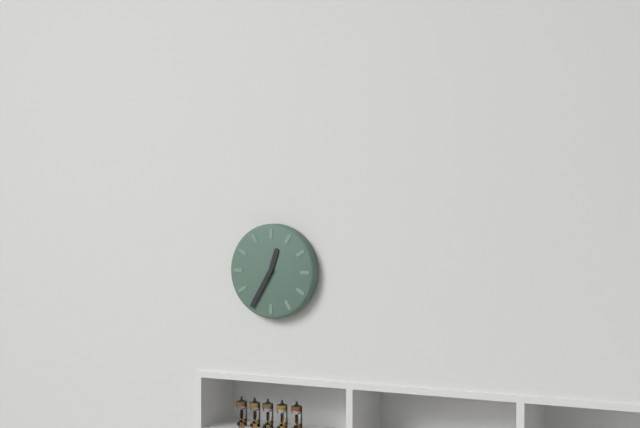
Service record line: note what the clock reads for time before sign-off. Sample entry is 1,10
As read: 12,35
